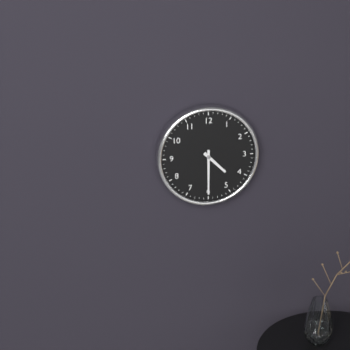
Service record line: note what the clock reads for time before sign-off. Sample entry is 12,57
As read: 4,30
